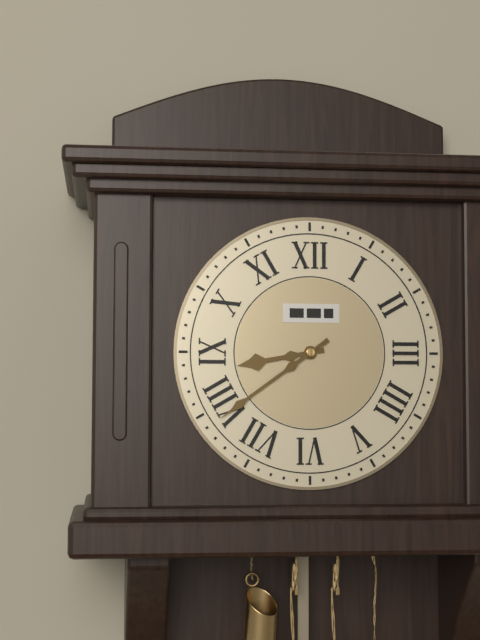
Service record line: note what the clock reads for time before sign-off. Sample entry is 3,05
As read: 8,39
